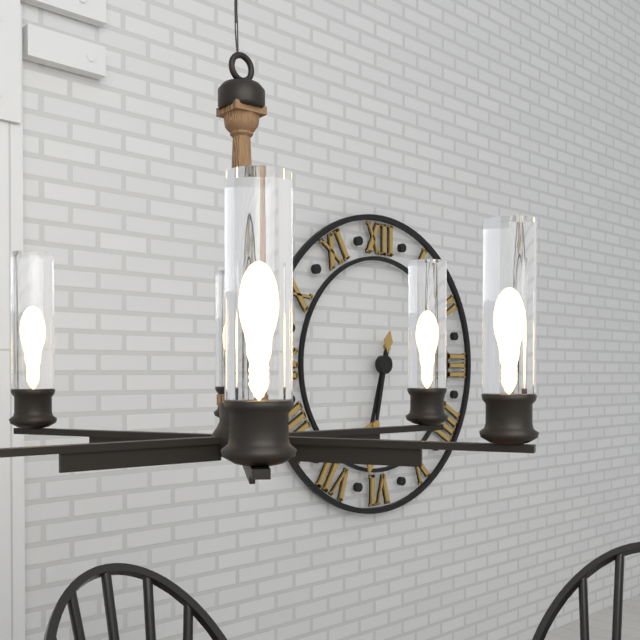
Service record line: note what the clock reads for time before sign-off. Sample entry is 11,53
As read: 6,32
